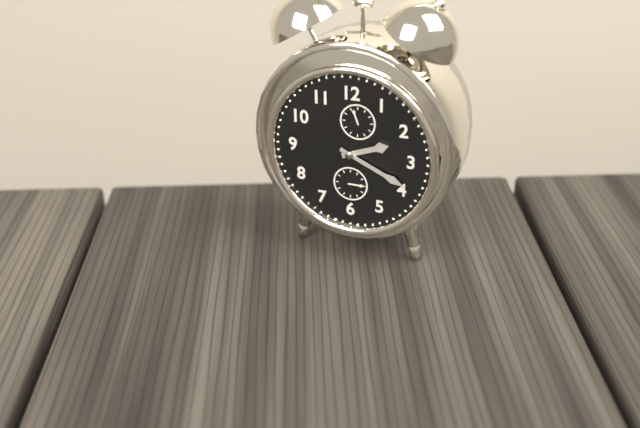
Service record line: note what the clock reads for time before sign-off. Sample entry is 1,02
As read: 2,19
